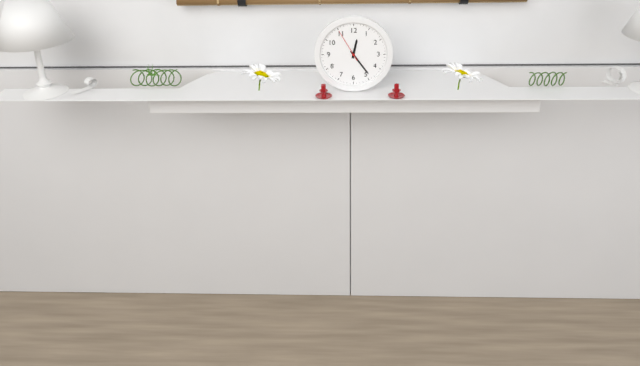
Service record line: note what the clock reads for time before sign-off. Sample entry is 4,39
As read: 12,24
